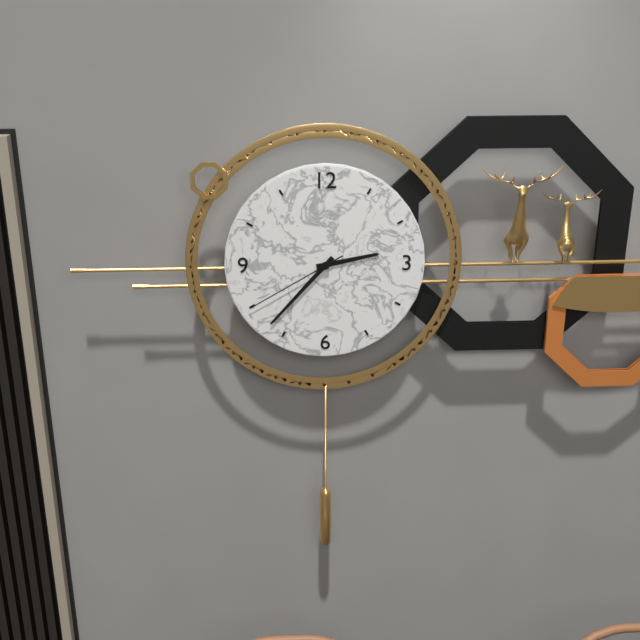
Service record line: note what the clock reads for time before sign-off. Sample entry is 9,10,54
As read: 2,37,40
